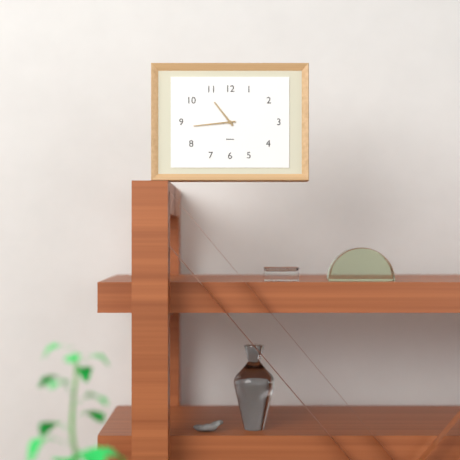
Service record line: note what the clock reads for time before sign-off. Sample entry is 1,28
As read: 10,44
